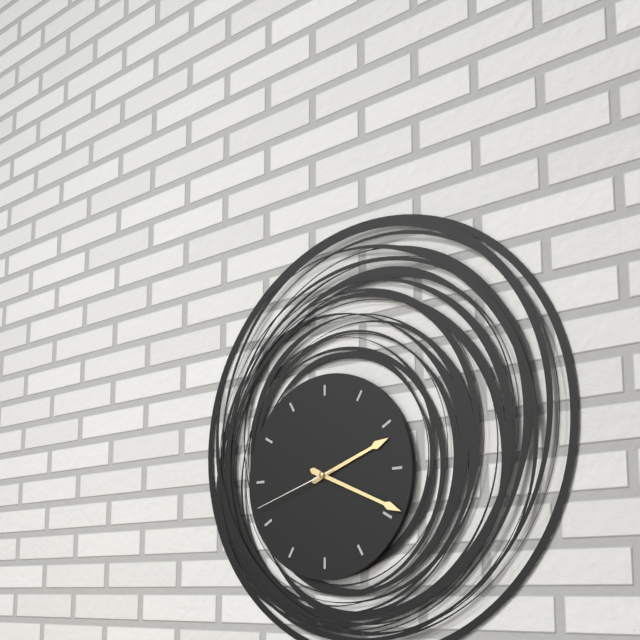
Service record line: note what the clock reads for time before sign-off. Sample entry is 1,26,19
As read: 2,19,42
